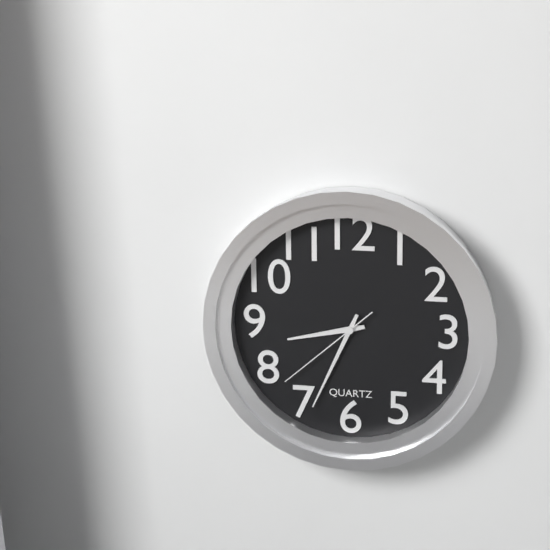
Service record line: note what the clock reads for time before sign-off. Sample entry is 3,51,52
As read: 8,34,38
